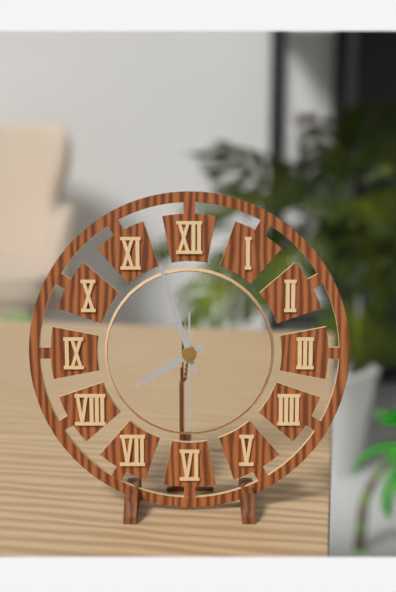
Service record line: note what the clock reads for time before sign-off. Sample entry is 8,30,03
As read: 7,57,30
